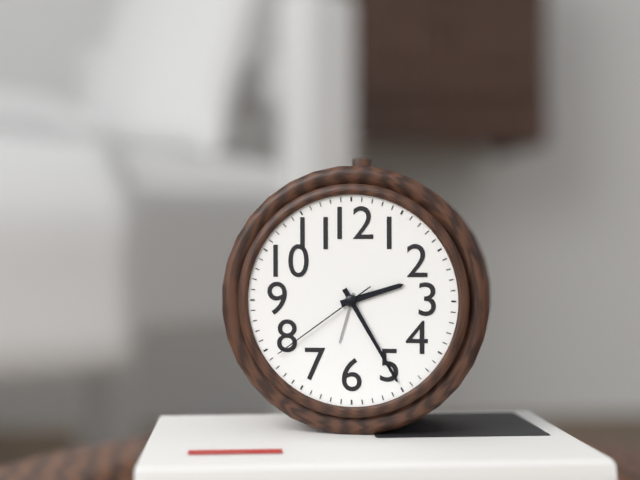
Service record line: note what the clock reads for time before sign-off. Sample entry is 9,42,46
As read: 2,25,39
